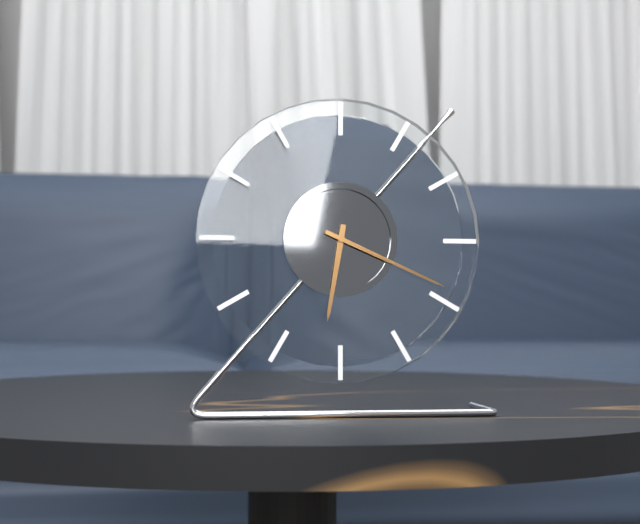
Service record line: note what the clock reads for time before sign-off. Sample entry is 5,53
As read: 6,19
